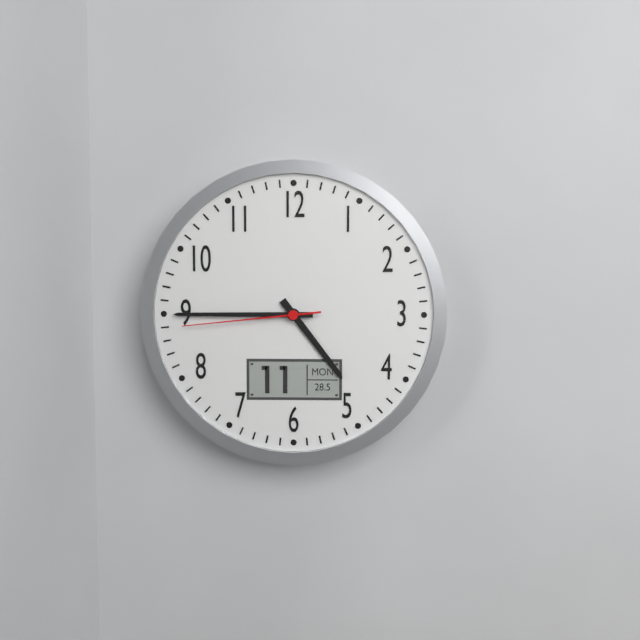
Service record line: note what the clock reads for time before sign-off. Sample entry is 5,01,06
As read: 4,45,44
